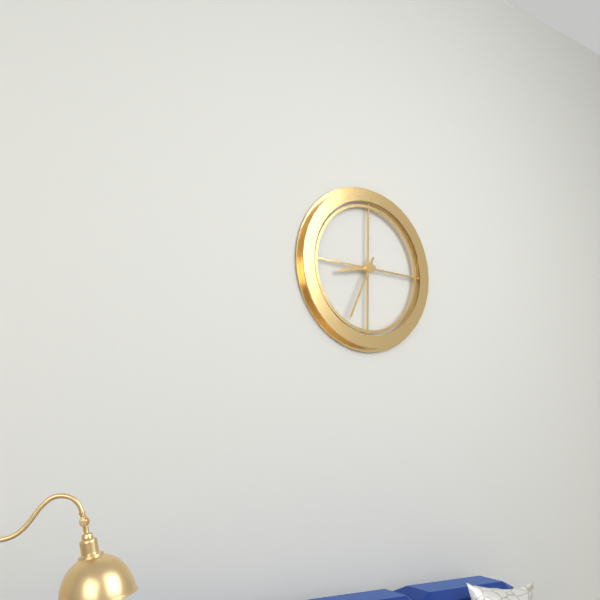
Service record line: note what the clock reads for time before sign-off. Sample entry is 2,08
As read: 8,34
